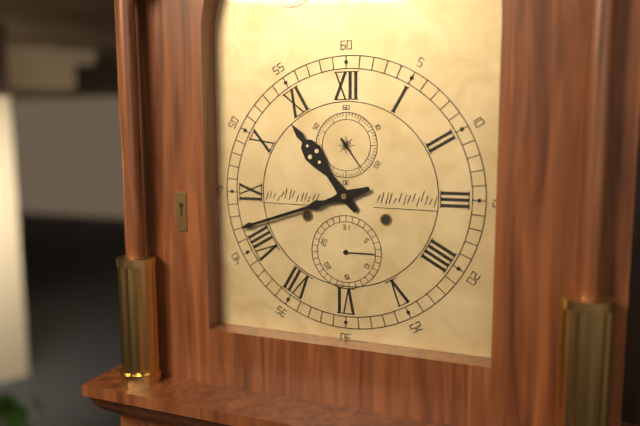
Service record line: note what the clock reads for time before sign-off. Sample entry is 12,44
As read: 10,42
